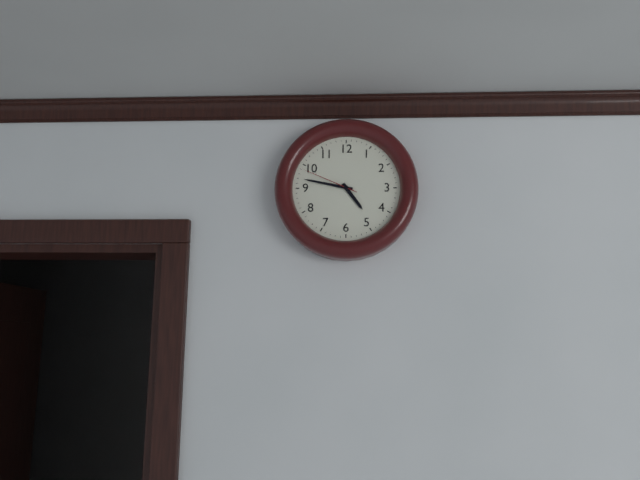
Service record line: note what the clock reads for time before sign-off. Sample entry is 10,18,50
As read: 4,47,49
